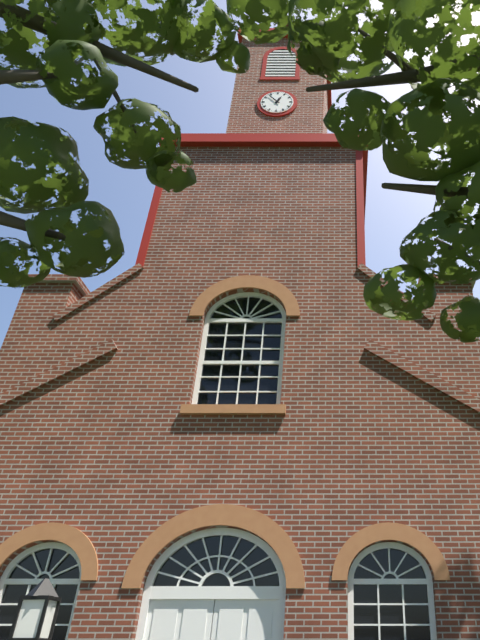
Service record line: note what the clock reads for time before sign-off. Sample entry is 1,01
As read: 12,53
